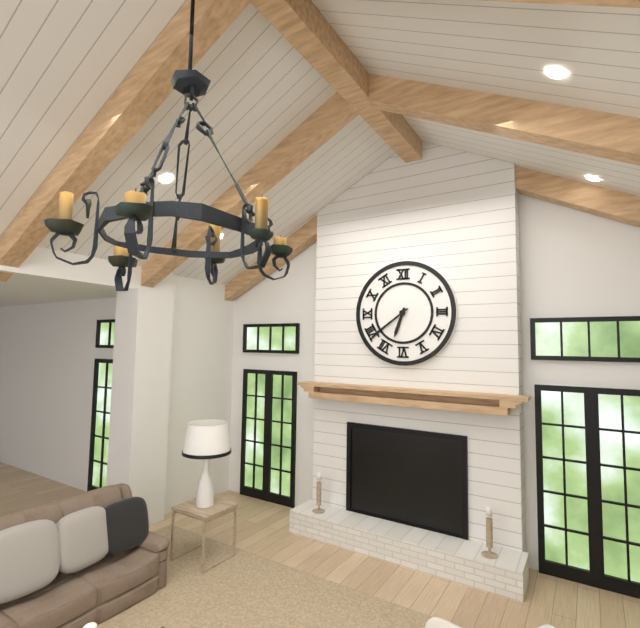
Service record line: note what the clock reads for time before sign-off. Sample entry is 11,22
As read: 6,39
